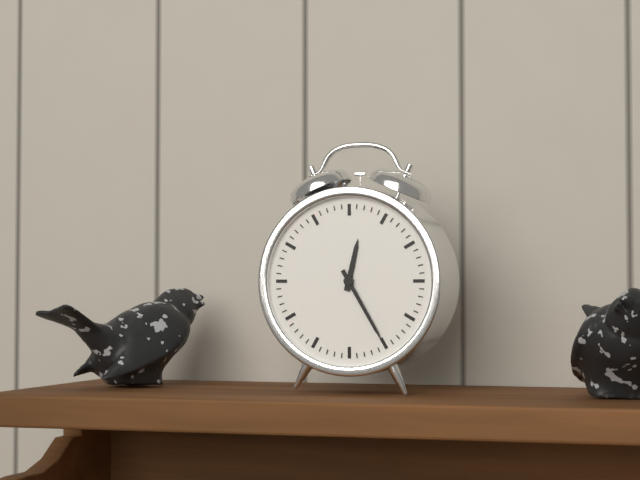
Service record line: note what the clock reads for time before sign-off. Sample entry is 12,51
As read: 12,25
